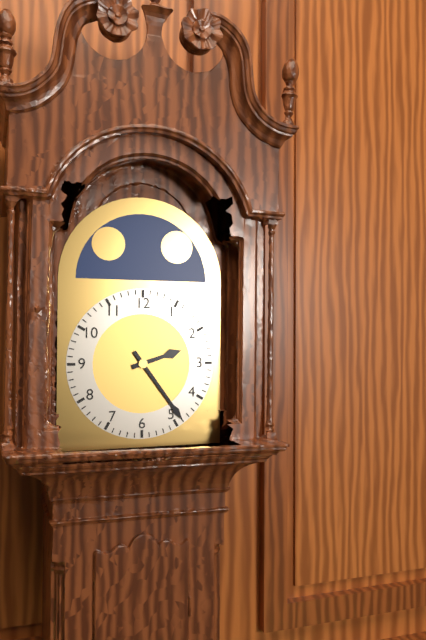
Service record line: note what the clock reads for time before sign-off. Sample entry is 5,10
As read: 2,24
